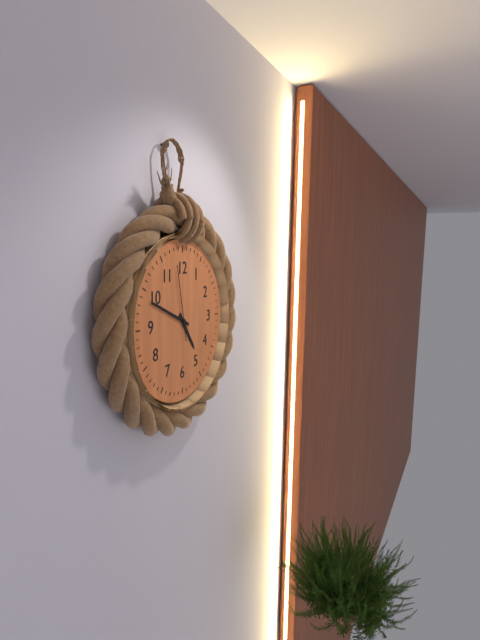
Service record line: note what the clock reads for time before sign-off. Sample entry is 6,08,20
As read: 4,49,58
